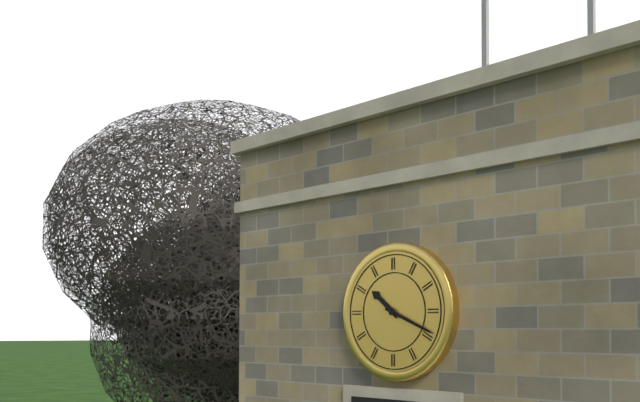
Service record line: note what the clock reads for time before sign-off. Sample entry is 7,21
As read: 10,19
